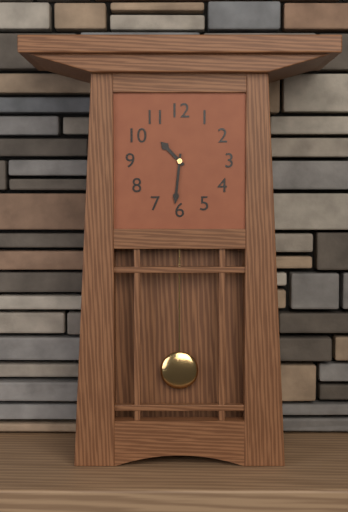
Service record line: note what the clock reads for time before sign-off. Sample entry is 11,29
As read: 10,31
